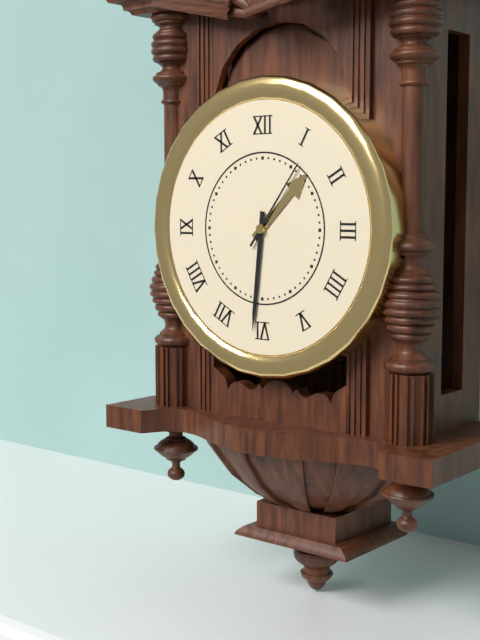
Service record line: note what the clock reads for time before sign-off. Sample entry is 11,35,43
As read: 1,31,06
